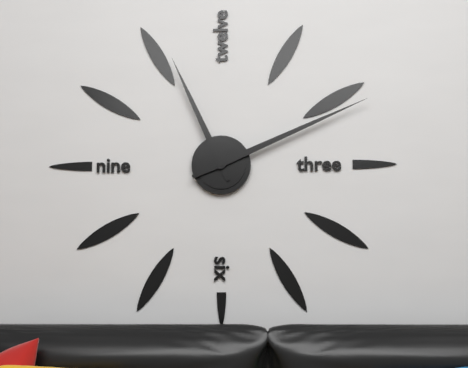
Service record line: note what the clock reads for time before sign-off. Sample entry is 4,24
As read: 11,11
